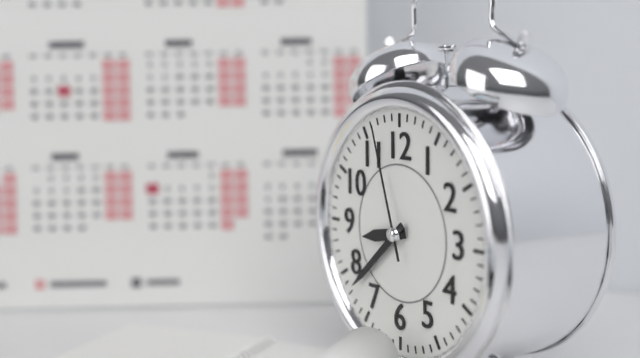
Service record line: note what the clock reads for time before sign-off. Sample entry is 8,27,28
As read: 8,38,57
